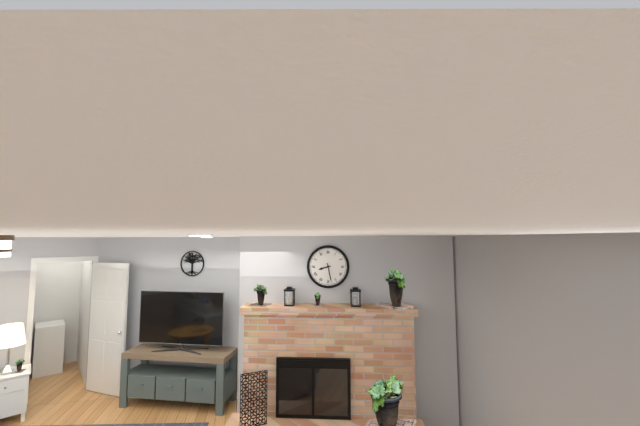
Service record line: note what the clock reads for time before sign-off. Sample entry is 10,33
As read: 8,28
